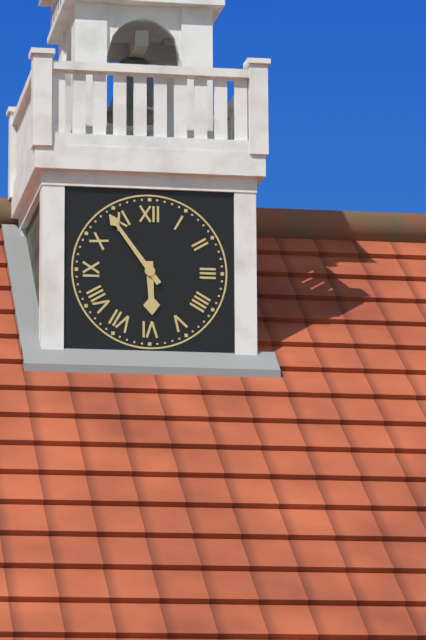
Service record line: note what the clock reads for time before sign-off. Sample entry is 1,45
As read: 5,54
